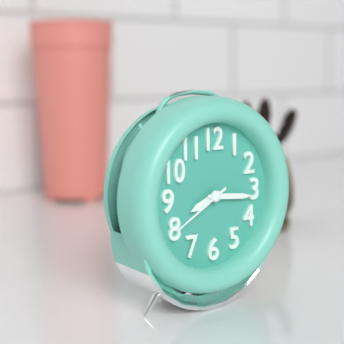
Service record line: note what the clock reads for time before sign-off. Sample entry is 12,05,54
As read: 8,16,40
